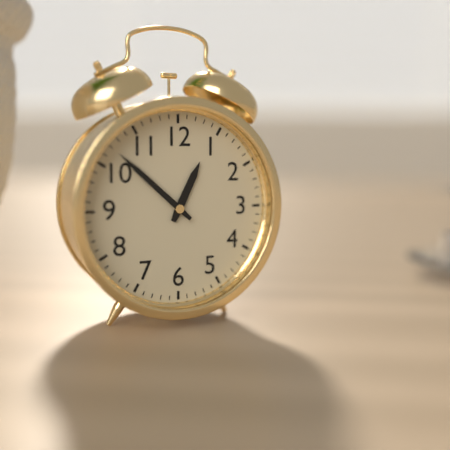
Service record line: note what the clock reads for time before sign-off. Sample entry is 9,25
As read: 12,52
